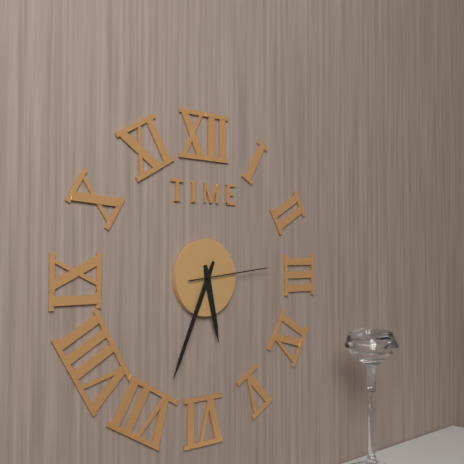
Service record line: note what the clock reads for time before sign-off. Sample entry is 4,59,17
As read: 5,34,14
